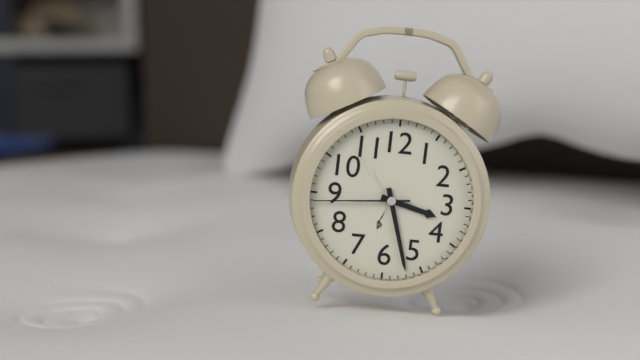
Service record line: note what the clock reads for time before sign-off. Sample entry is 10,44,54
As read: 3,27,44
